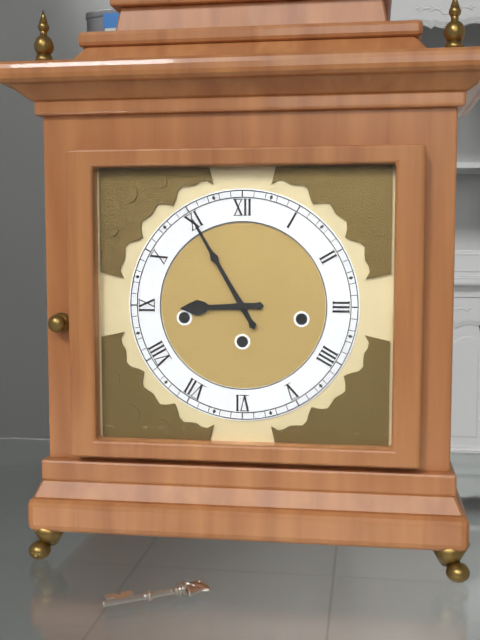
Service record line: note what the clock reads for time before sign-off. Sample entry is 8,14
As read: 8,55
